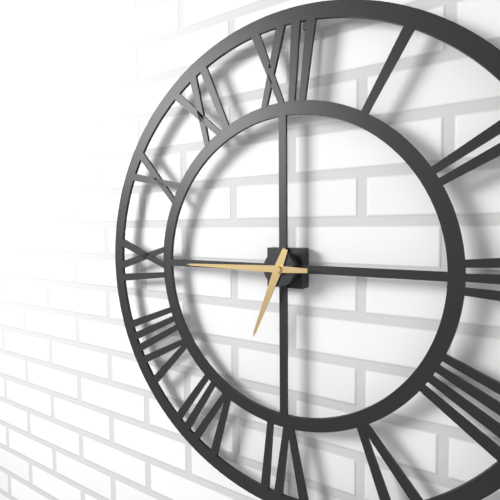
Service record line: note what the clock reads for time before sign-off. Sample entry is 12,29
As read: 6,45
